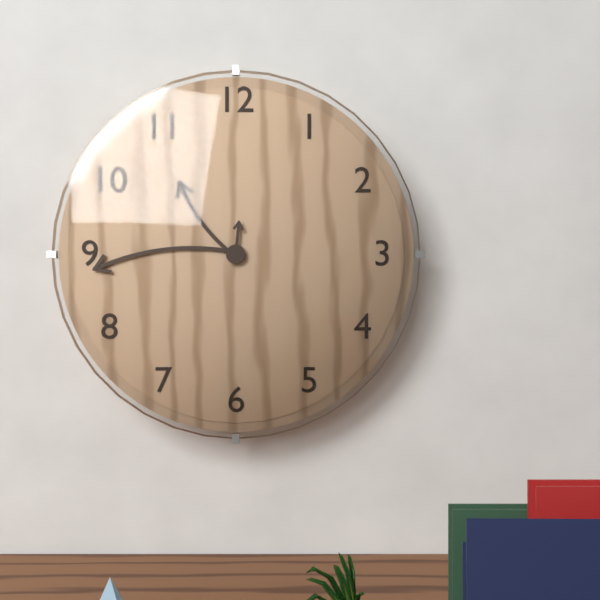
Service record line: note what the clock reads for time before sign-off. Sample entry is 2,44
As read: 10,44
